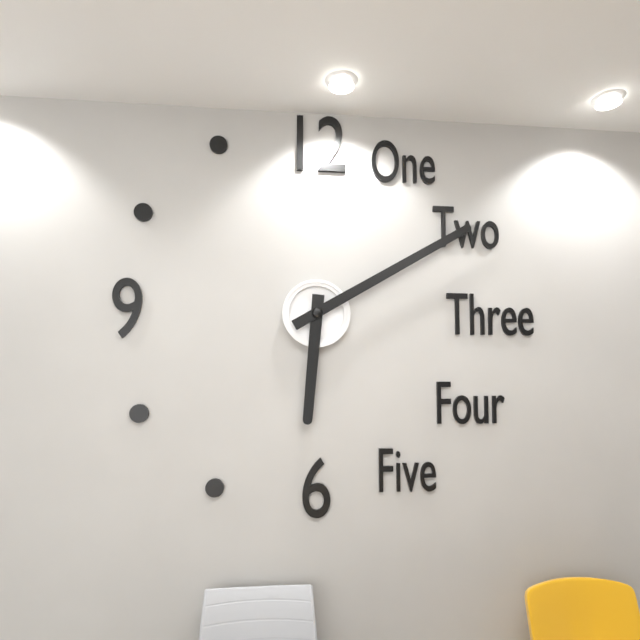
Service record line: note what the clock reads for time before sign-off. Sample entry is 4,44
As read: 6,10
